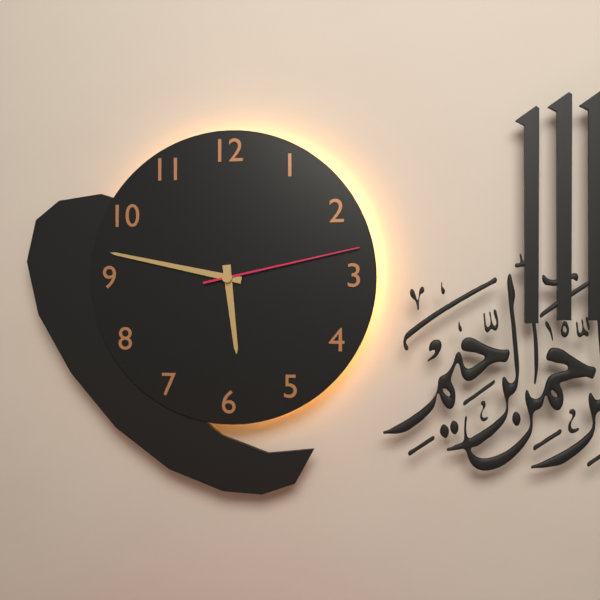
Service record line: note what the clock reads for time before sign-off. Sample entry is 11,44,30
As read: 5,47,13
